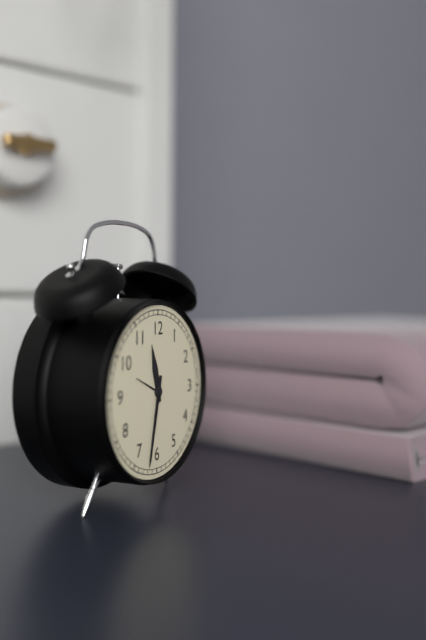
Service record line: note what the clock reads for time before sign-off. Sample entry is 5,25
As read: 11,32
